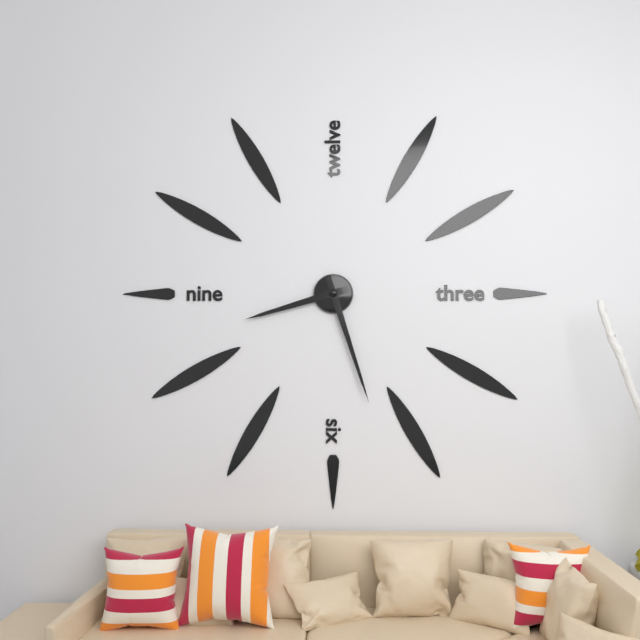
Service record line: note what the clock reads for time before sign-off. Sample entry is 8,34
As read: 8,27
